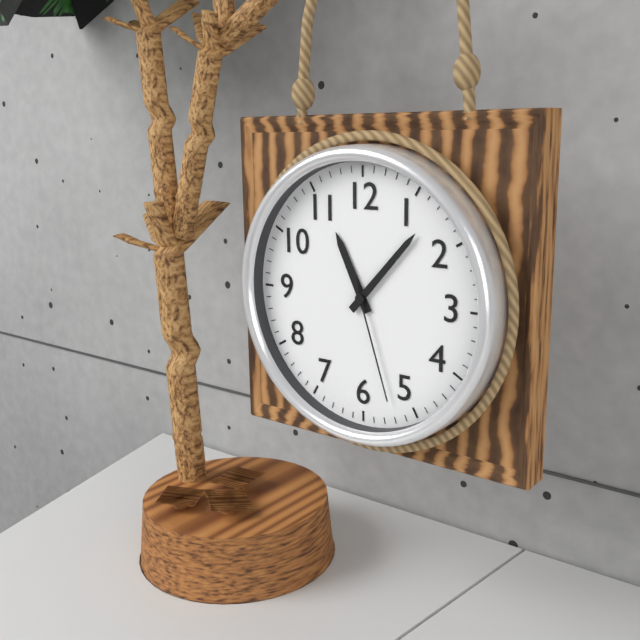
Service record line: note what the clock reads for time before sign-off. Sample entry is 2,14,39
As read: 11,07,27
